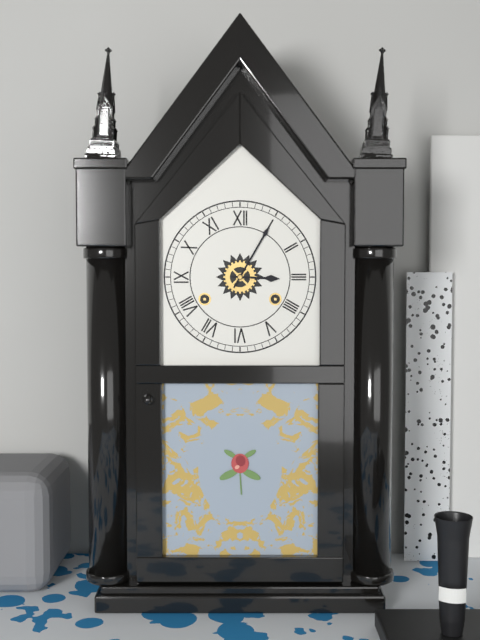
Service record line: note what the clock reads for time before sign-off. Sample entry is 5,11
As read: 3,05
